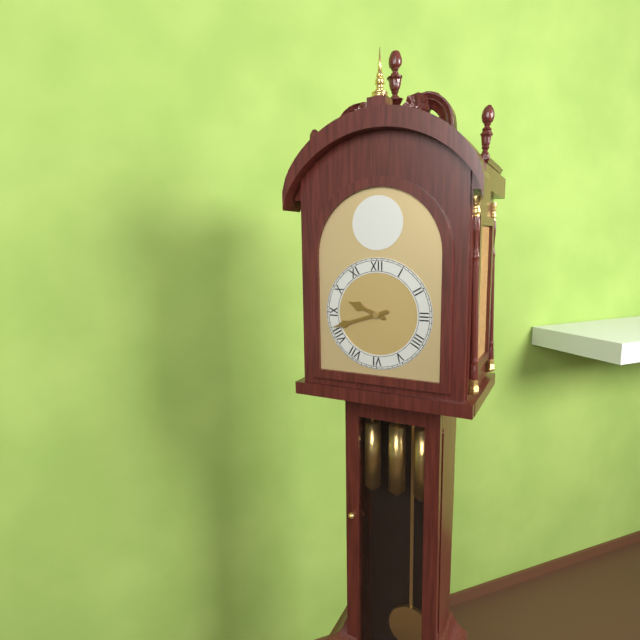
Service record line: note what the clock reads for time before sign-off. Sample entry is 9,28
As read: 9,42
